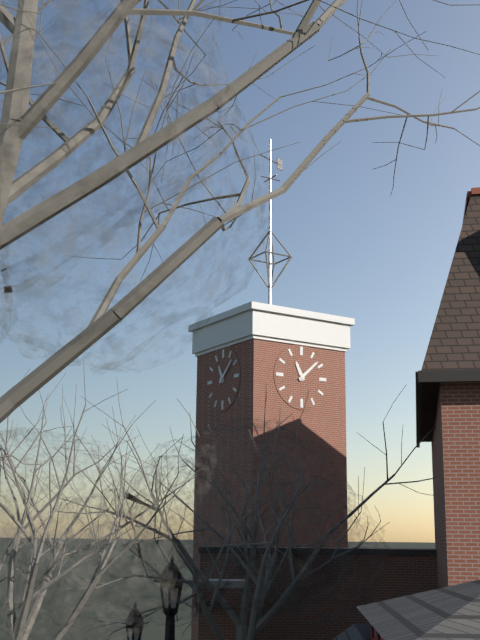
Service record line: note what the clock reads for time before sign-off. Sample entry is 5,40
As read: 11,08
